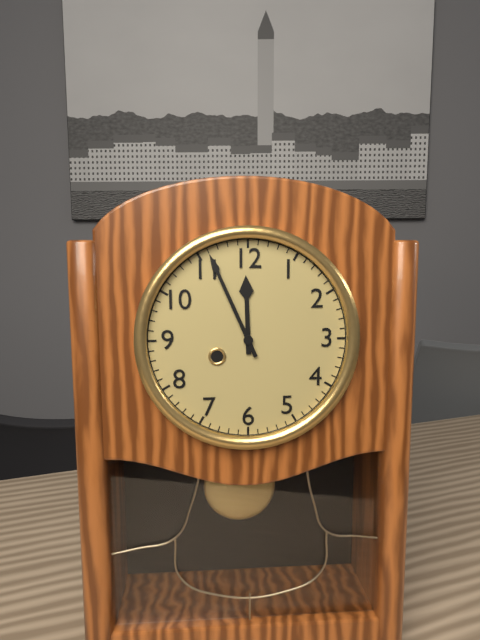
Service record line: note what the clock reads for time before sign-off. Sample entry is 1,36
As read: 11,56
